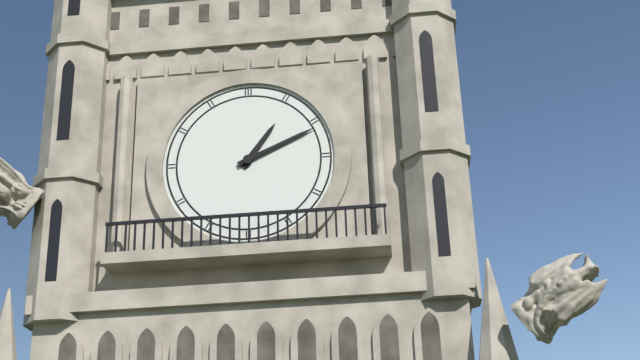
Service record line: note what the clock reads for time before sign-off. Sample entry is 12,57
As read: 1,11
